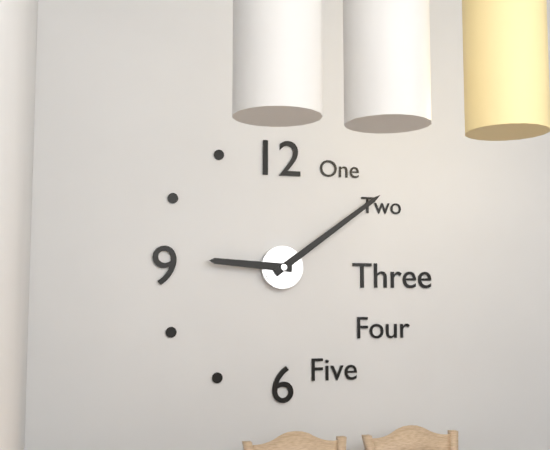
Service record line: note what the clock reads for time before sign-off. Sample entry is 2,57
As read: 9,09
